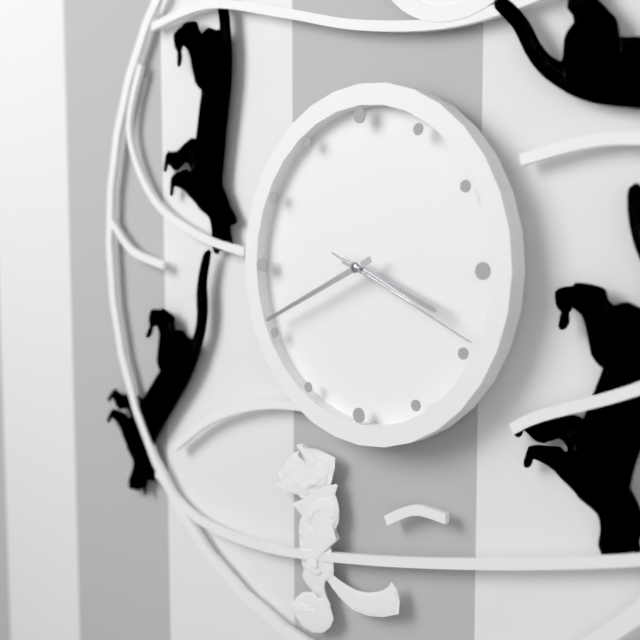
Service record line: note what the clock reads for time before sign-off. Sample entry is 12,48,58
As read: 3,41,19
